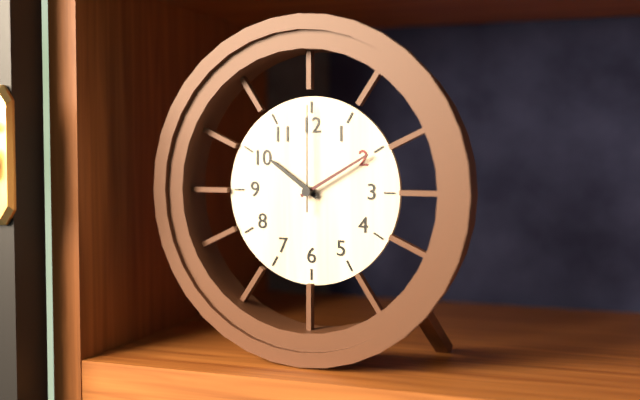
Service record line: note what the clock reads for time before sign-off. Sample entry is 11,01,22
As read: 10,10,00
